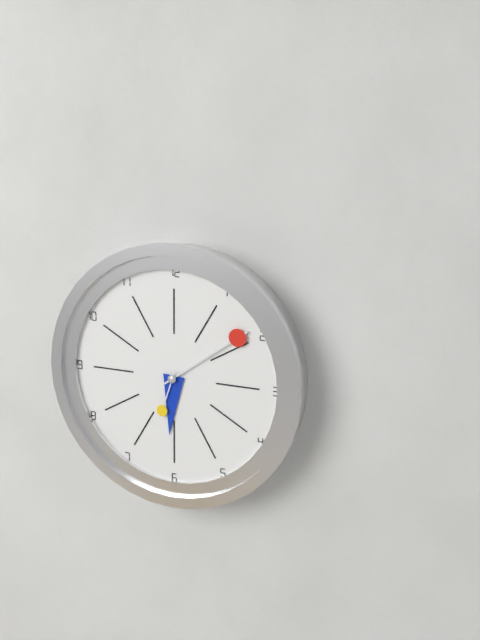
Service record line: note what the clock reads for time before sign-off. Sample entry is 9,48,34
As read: 6,09,33
